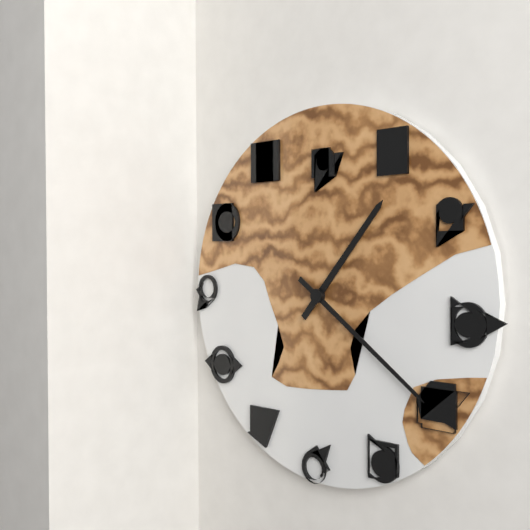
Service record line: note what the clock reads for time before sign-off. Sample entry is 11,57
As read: 1,21
